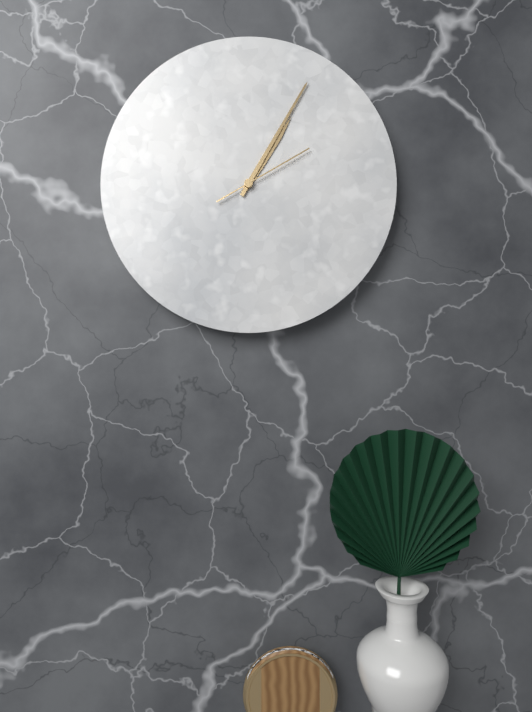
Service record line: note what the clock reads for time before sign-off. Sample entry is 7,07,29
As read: 1,05,10
